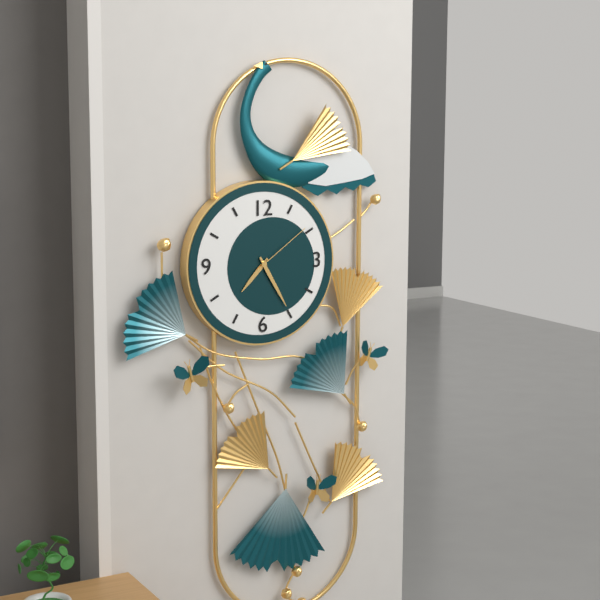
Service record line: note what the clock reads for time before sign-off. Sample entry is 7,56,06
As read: 7,25,09
